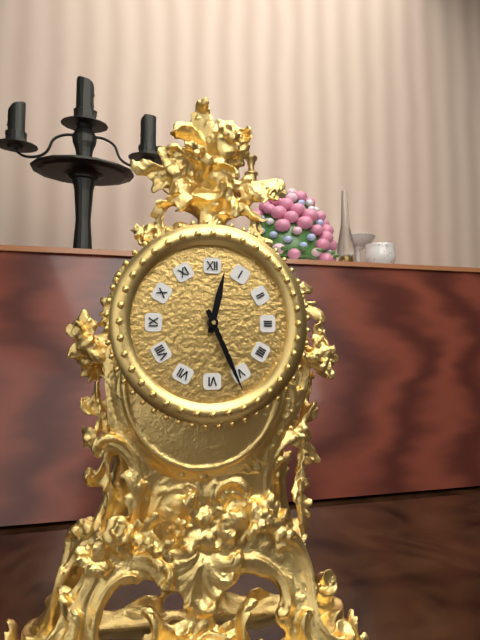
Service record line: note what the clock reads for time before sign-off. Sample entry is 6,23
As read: 12,26
